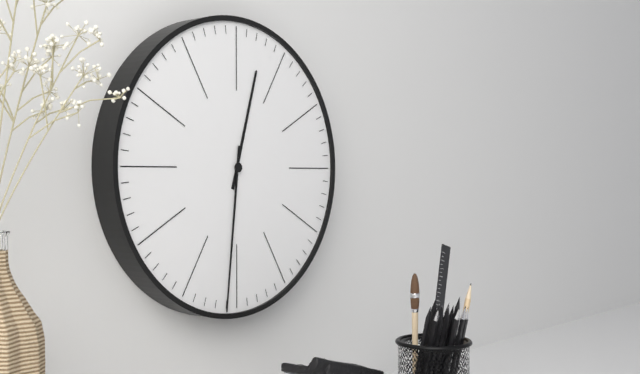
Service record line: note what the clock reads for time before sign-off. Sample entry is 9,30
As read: 12,31
